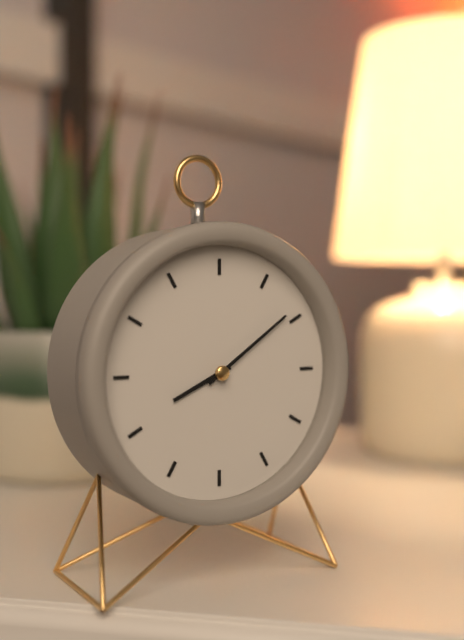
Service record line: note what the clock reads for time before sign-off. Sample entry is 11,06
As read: 8,09
